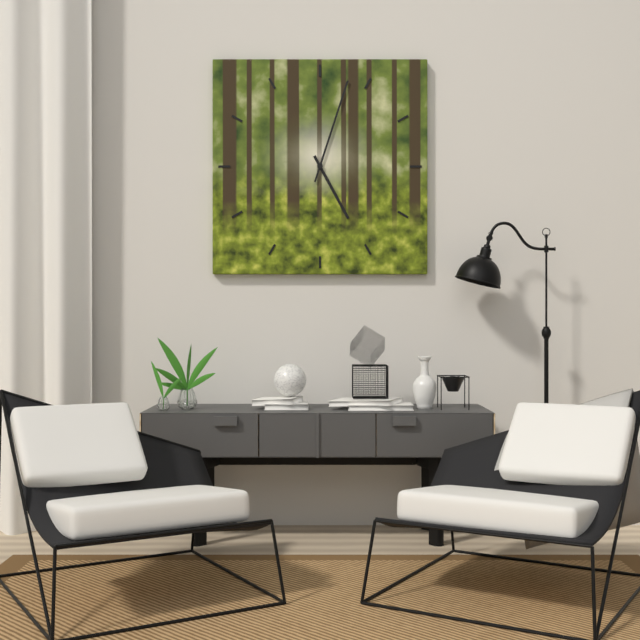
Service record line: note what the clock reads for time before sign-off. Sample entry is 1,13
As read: 5,03
